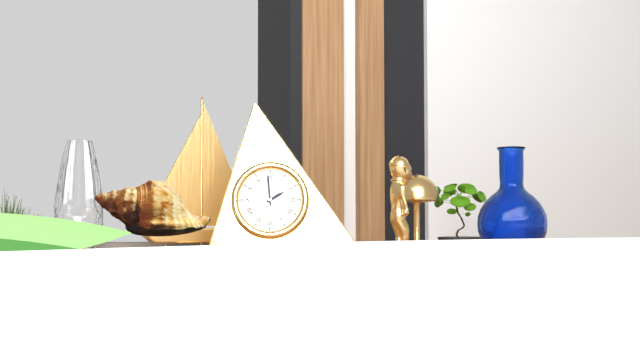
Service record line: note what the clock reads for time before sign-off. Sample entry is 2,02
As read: 1,59
